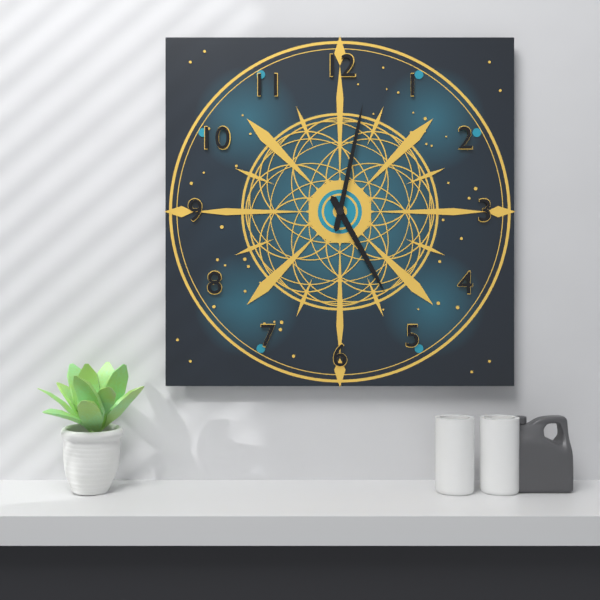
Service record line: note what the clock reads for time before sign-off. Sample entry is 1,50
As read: 5,02
